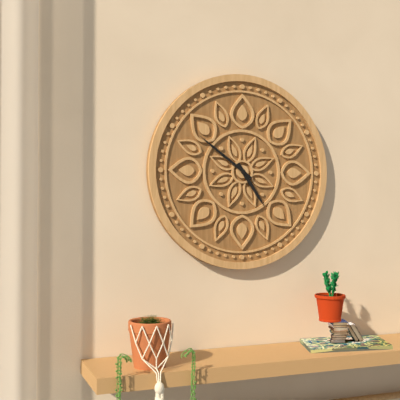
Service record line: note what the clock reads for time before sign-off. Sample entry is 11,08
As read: 4,51
